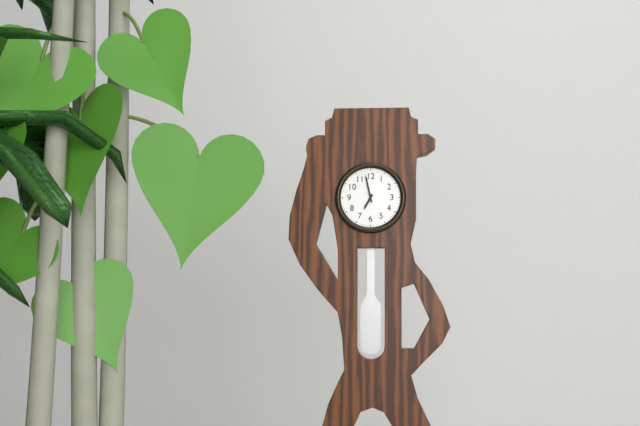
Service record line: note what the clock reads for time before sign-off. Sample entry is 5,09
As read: 6,58
